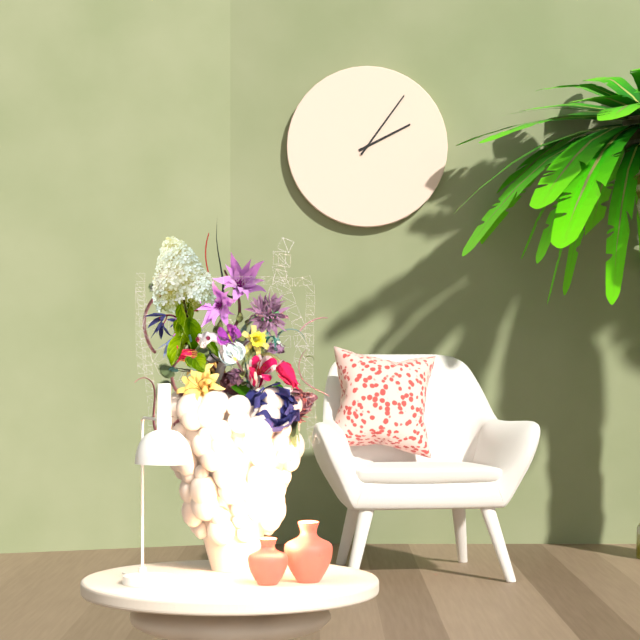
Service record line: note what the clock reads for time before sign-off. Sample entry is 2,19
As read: 2,06
